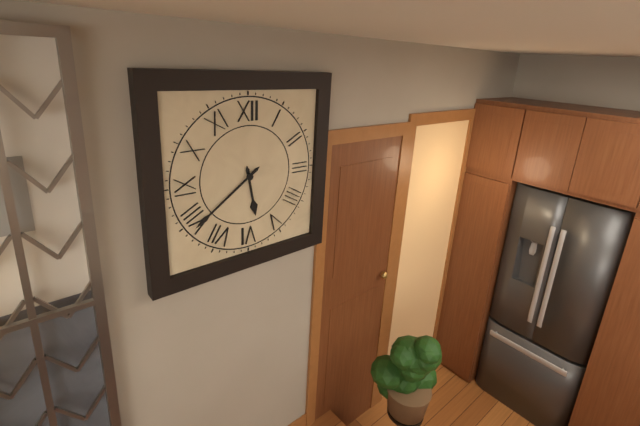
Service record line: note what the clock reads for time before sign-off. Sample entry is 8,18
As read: 5,39
